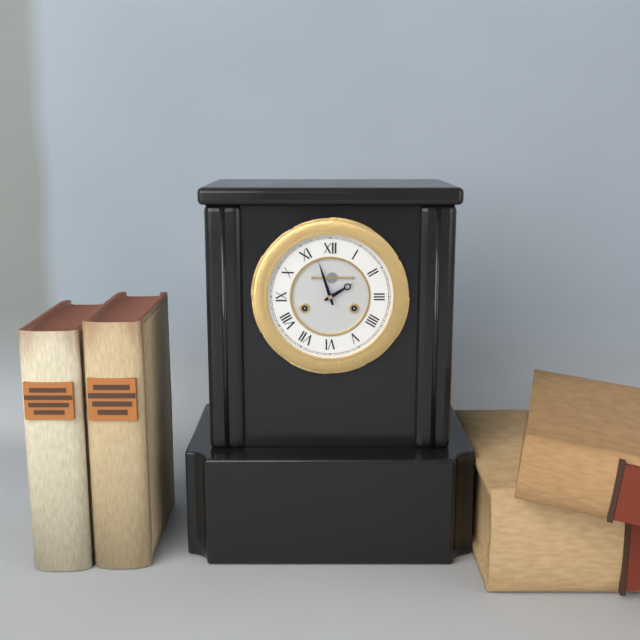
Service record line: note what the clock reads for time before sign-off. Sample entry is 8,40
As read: 1,57
